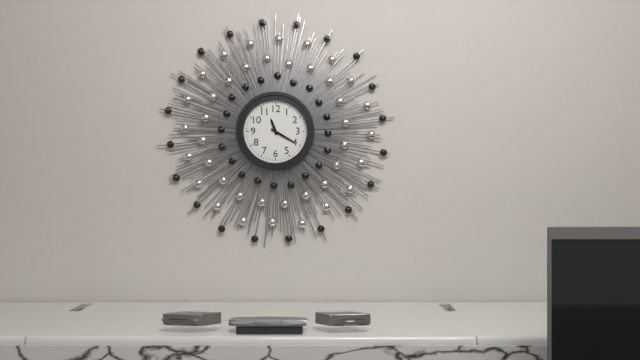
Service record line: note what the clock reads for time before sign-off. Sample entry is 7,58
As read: 11,20
